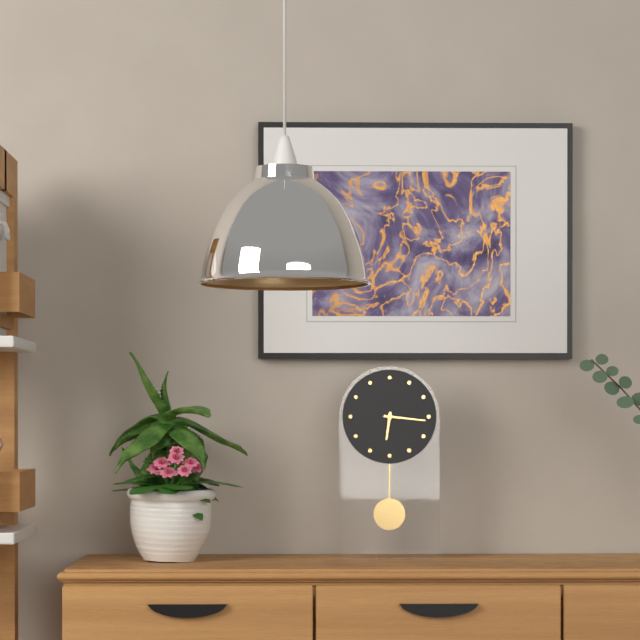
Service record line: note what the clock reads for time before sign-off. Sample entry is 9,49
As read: 6,16
